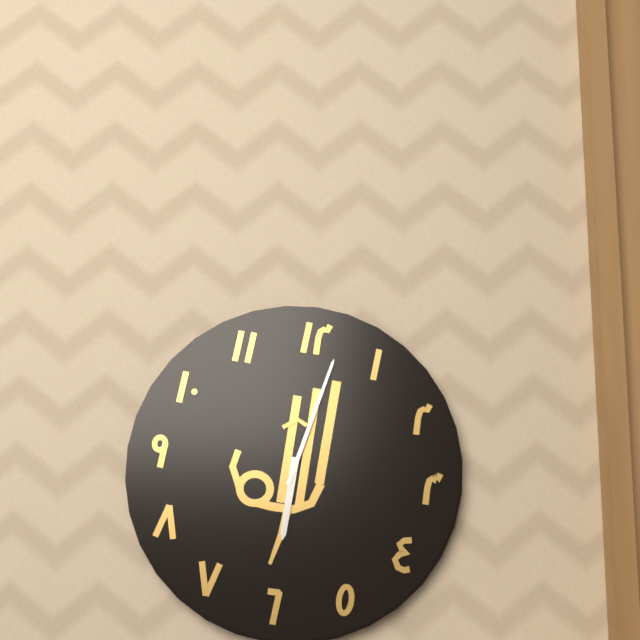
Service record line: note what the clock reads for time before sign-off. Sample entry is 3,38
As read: 6,02
